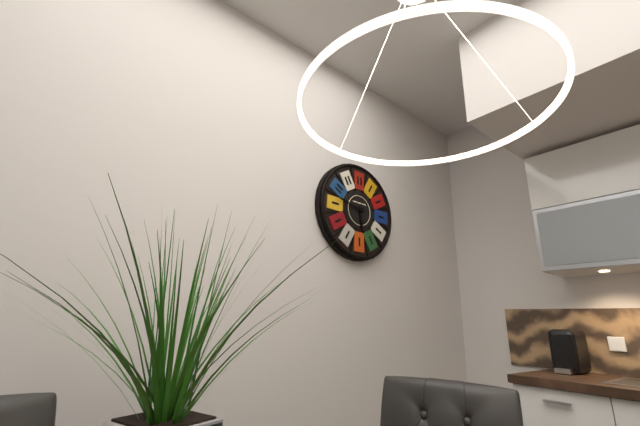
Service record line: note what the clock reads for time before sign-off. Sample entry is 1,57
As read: 5,47
